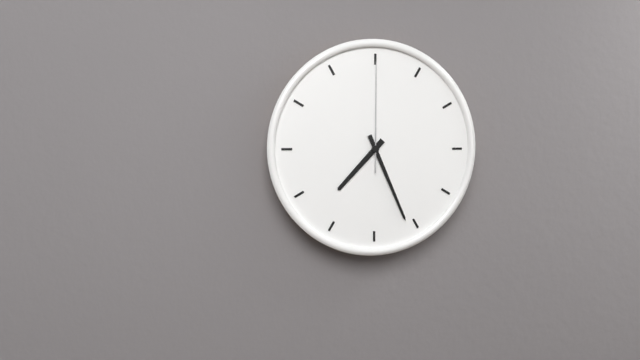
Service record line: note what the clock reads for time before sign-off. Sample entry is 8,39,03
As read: 7,26,00
